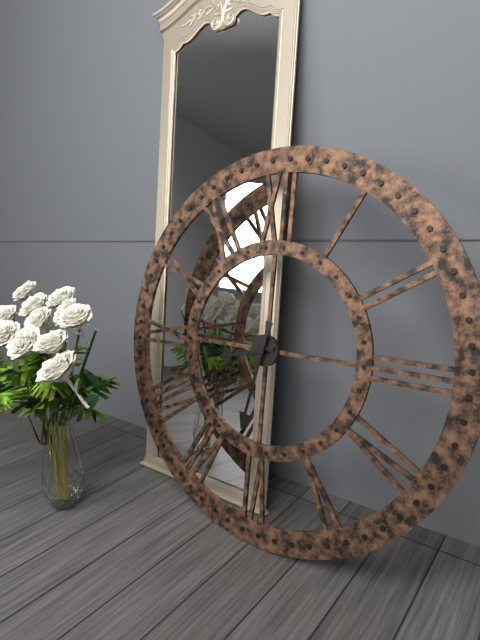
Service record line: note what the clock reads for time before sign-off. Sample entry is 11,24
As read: 8,32
